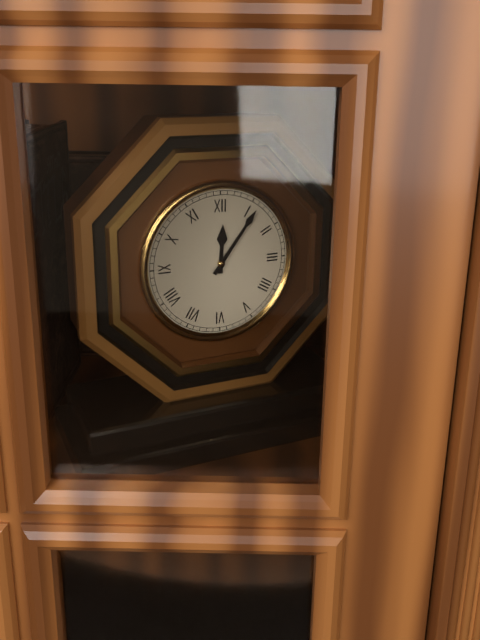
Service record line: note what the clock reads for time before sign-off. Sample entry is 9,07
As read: 12,06
